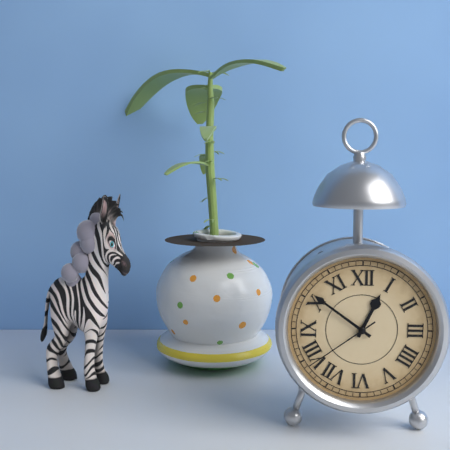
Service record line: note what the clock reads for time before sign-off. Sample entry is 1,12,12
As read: 12,51,39
